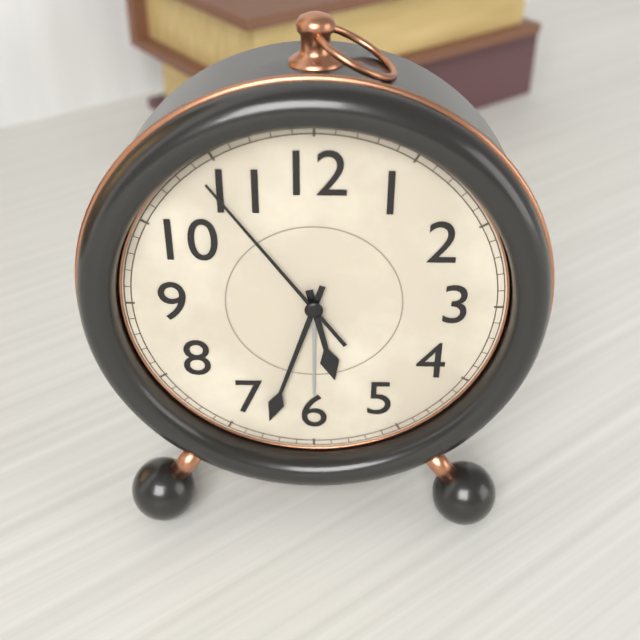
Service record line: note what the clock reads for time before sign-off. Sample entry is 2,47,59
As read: 5,33,54
